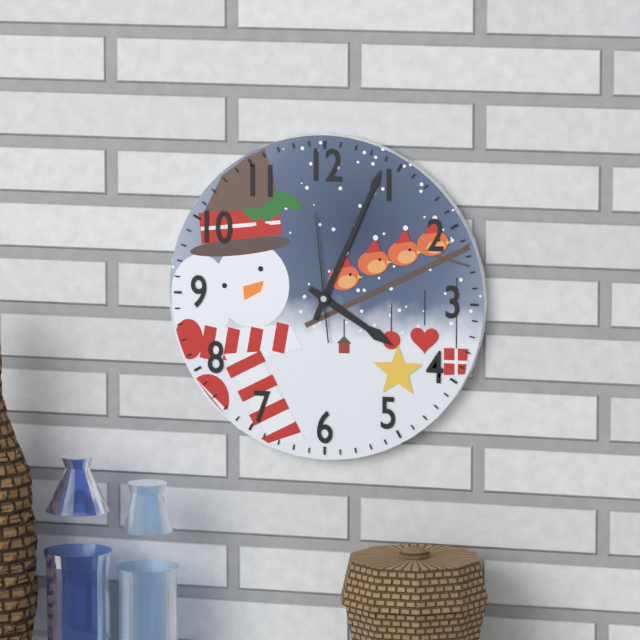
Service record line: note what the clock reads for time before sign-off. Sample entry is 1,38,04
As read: 4,04,59
